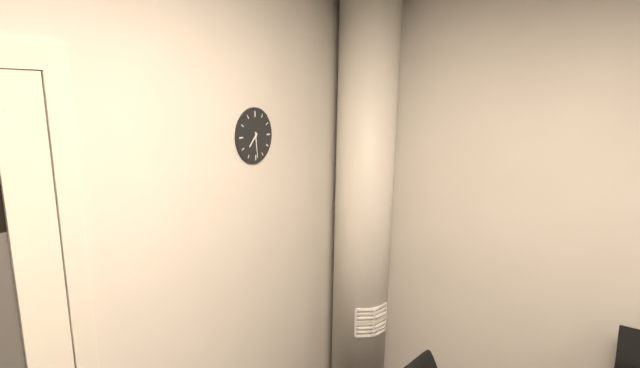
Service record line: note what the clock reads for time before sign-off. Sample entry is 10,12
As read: 7,29
